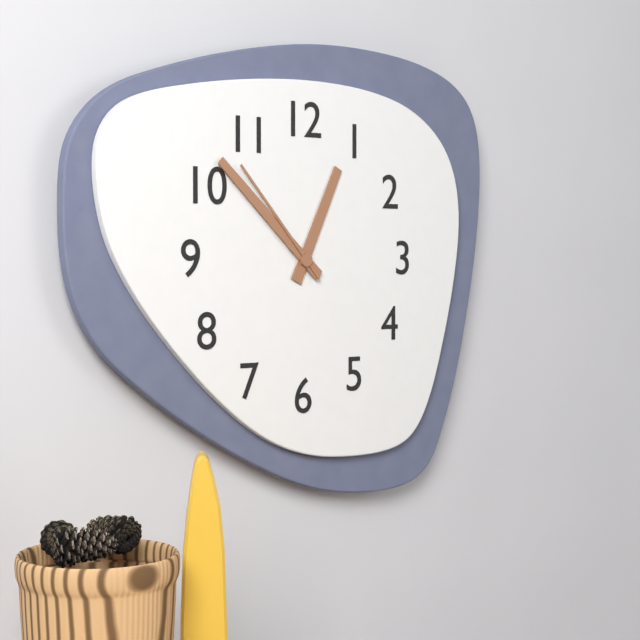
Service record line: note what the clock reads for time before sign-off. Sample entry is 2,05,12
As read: 12,52,53
